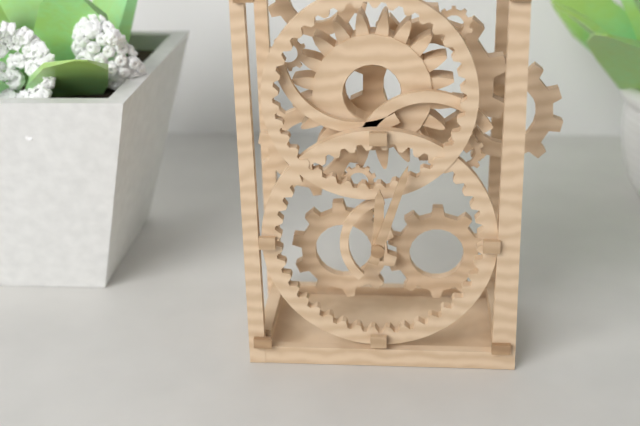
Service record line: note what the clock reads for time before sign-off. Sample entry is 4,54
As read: 12,03
